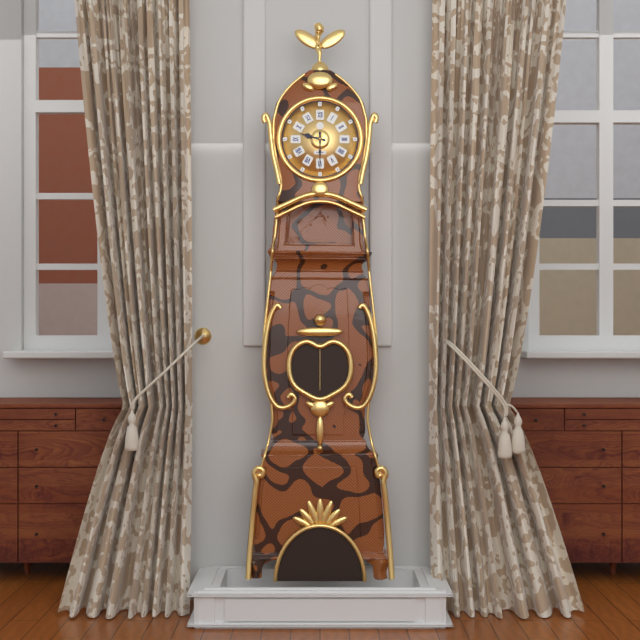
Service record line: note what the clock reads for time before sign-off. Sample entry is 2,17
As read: 9,30
